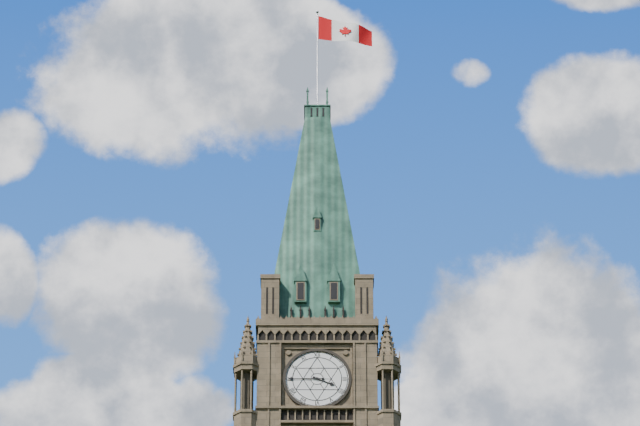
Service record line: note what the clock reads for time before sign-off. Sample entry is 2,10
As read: 3,45
